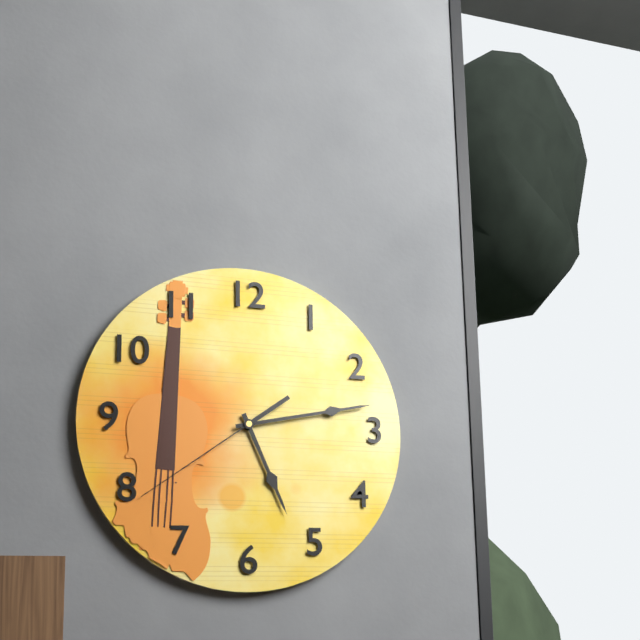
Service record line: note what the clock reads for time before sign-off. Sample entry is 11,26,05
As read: 5,13,39
